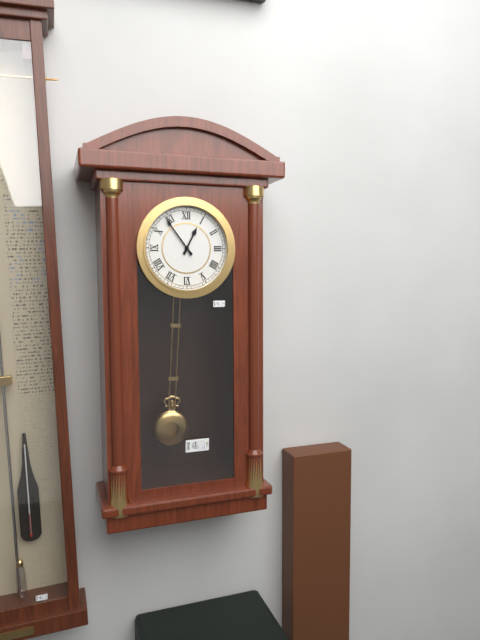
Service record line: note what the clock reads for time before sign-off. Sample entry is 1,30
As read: 12,54
